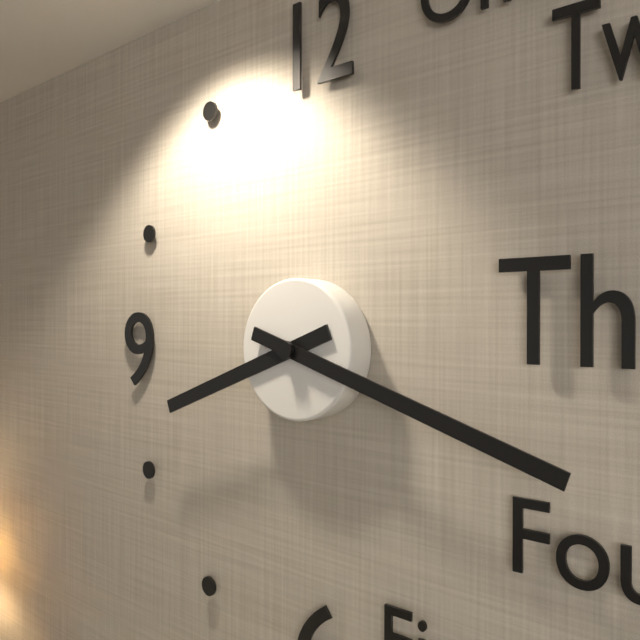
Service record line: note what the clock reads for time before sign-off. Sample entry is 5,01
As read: 8,18
